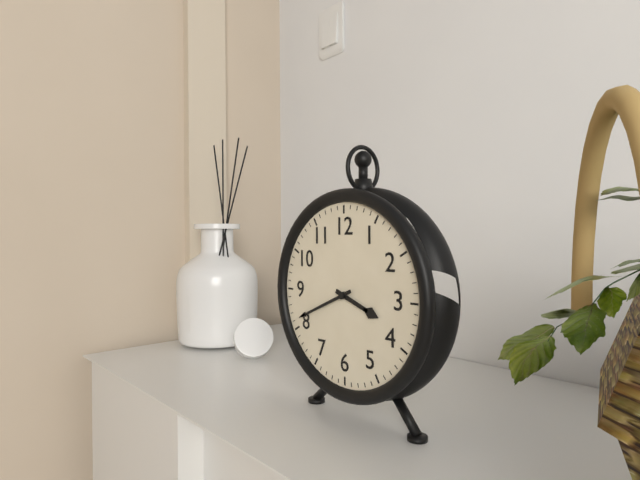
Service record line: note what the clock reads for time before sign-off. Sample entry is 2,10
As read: 3,41
